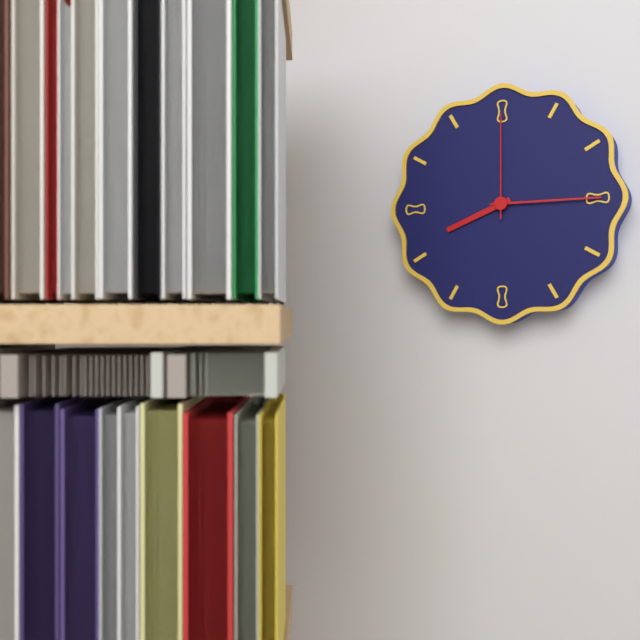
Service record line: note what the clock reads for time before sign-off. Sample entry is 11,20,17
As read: 8,15,00
